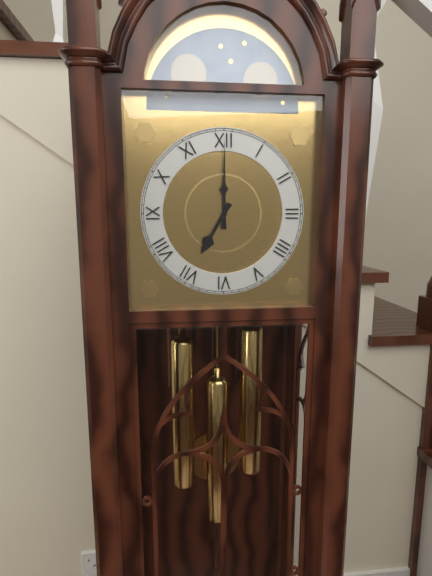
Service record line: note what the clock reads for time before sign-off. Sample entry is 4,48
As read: 7,00
